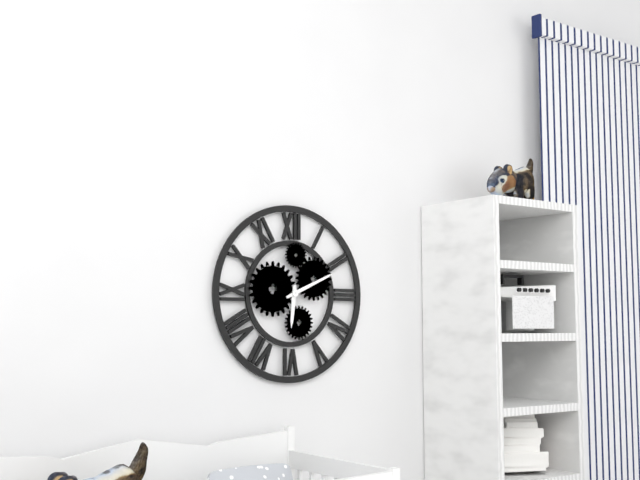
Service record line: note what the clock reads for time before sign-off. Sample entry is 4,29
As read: 6,11
